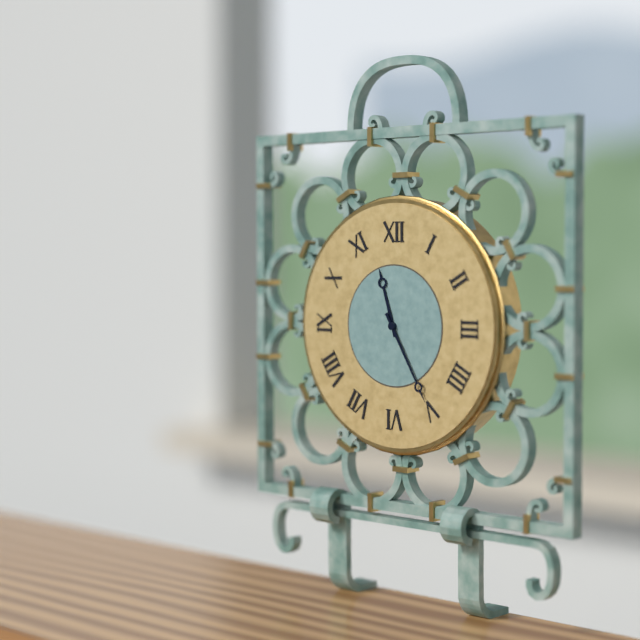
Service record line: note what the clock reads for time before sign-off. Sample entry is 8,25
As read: 11,25
